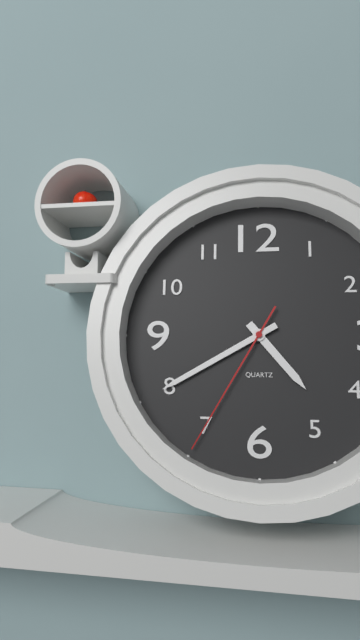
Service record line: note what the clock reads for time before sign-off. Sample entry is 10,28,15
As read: 4,40,35
